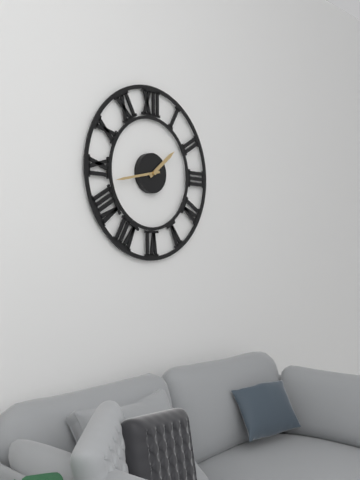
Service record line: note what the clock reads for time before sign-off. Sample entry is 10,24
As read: 1,43
